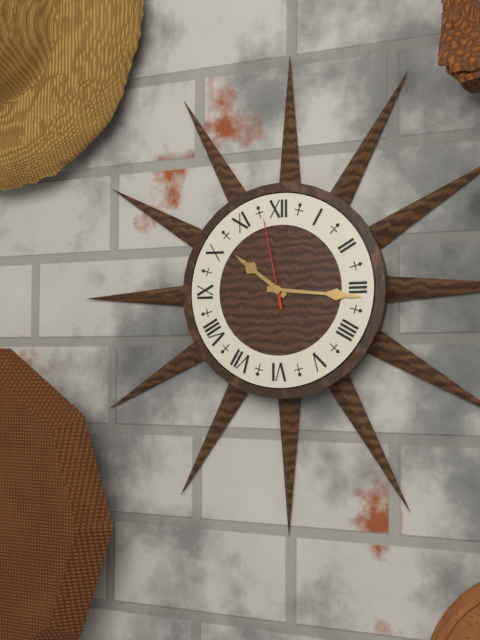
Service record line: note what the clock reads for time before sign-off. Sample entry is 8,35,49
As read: 10,16,58
